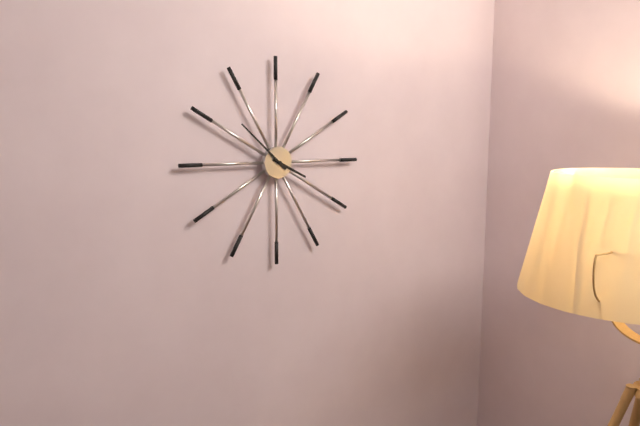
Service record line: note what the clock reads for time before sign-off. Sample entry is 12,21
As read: 3,52
